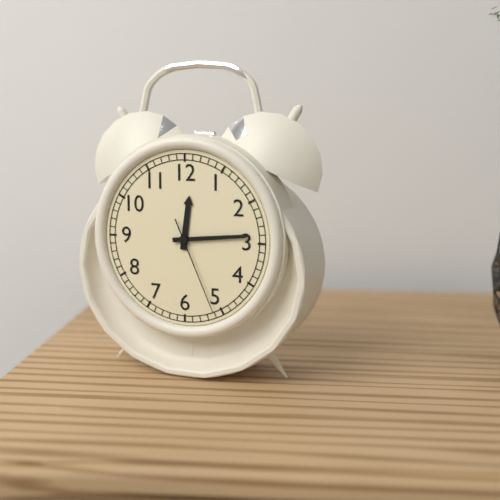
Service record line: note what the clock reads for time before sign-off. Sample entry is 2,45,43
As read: 12,14,26
